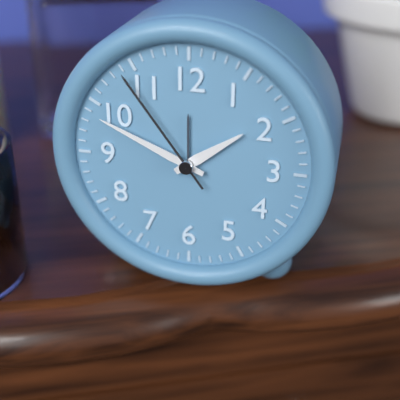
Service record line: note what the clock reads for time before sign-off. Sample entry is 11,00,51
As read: 1,49,54
